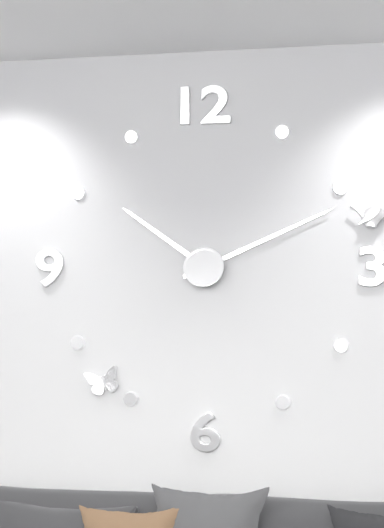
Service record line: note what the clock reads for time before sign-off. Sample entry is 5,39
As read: 10,11
